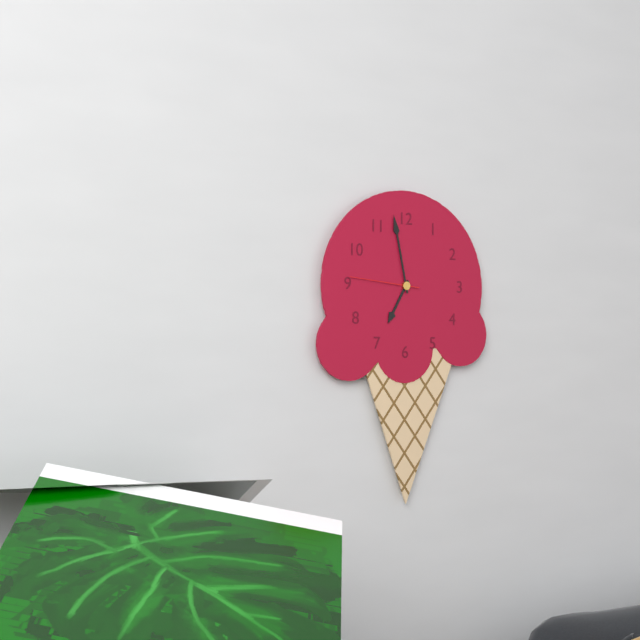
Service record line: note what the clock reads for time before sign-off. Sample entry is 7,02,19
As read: 6,58,46
